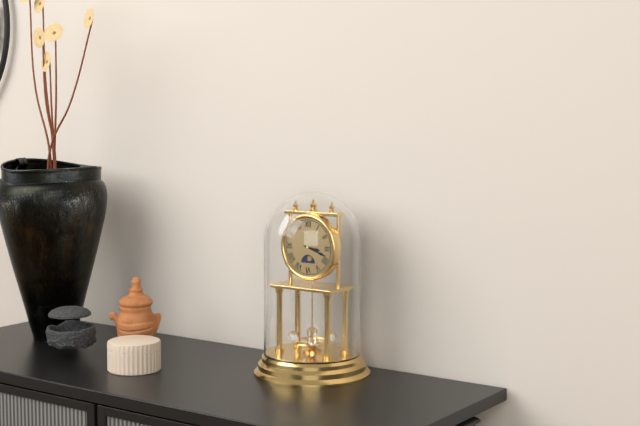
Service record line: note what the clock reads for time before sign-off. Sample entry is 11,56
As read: 3,18
